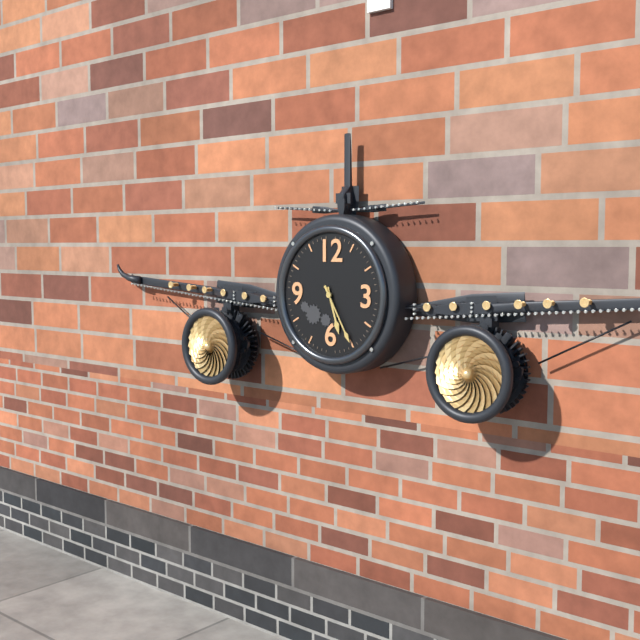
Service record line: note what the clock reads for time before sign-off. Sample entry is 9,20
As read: 5,25
